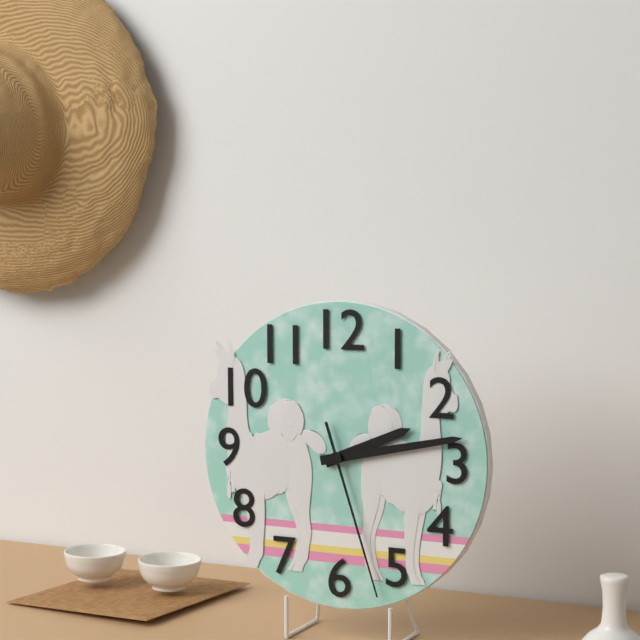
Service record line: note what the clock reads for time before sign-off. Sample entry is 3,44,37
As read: 2,13,27
